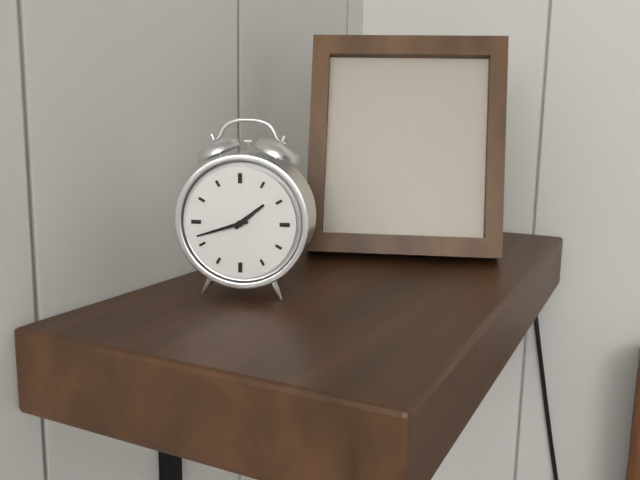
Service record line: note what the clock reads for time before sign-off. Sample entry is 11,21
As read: 1,42
